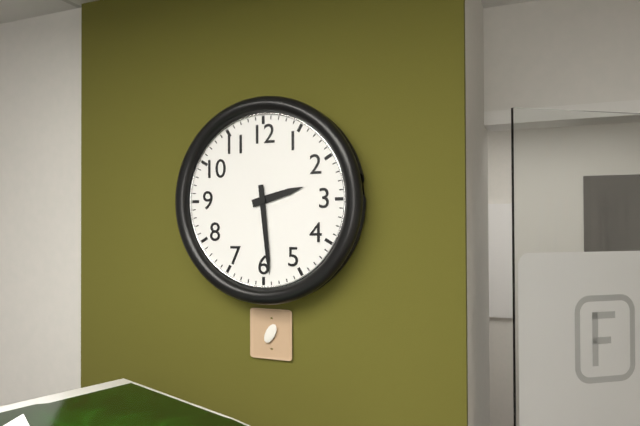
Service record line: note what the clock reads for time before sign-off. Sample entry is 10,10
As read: 2,29
